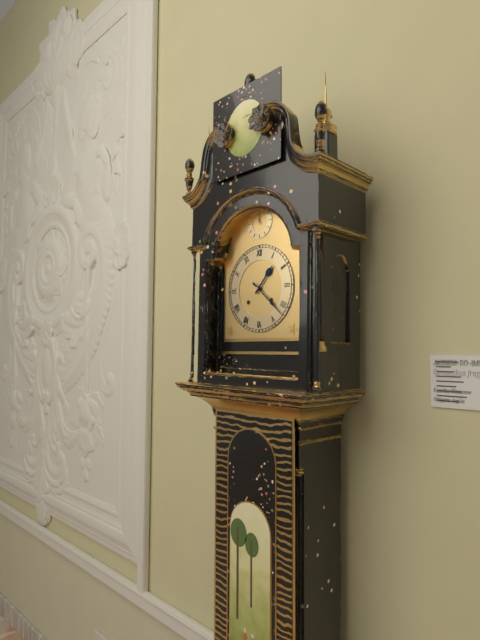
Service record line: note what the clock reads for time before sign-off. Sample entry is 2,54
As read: 1,22
